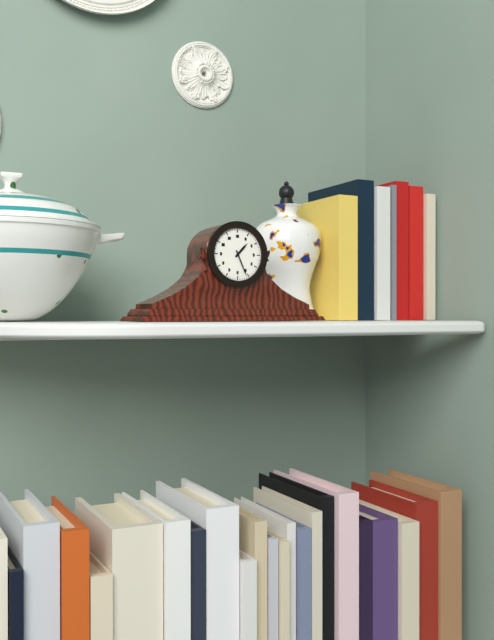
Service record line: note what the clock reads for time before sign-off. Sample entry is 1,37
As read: 1,26
